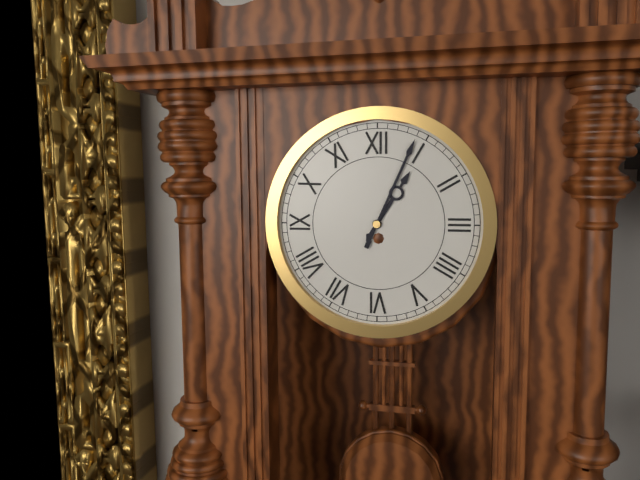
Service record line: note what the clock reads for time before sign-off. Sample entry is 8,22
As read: 1,04
